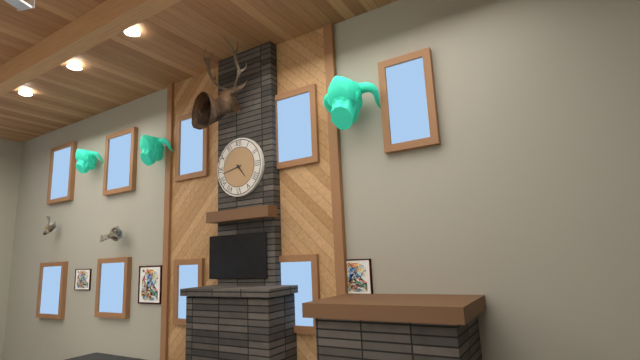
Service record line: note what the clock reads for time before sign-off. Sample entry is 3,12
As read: 4,43
